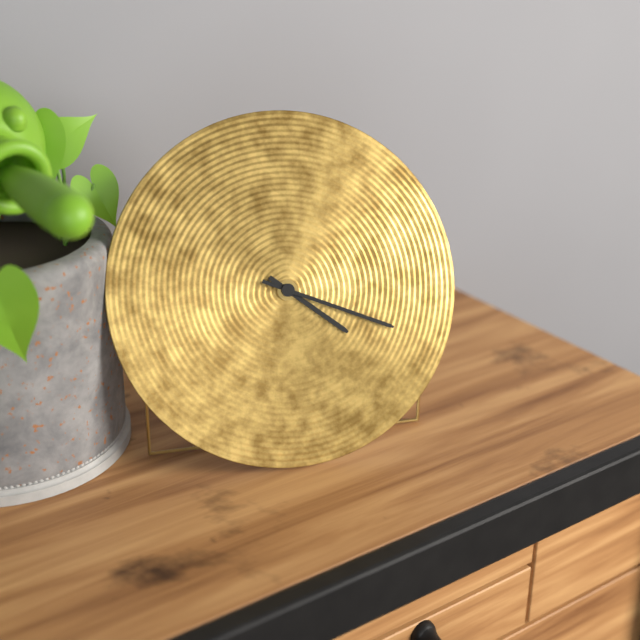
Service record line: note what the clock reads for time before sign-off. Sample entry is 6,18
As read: 4,19
